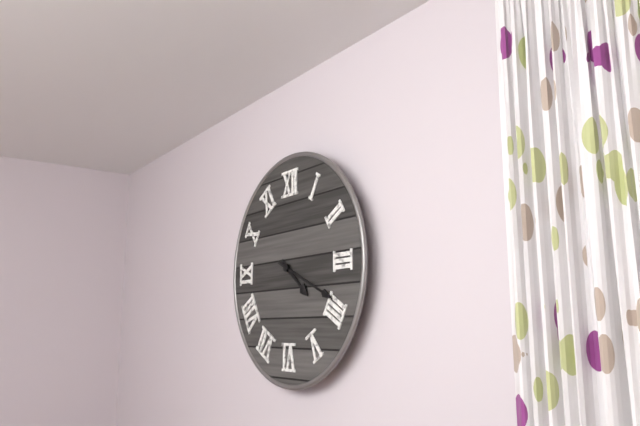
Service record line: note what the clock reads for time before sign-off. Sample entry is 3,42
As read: 4,19
